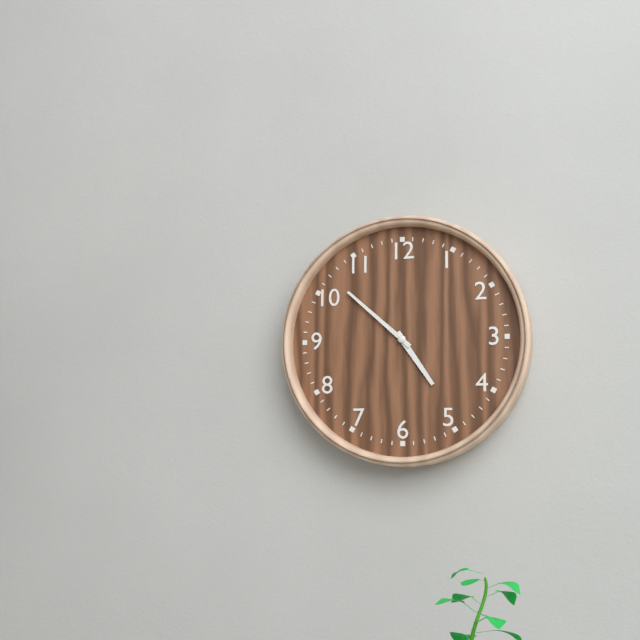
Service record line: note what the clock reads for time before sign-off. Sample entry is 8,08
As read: 4,52
